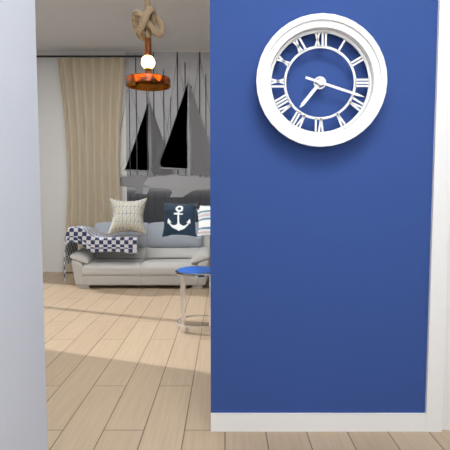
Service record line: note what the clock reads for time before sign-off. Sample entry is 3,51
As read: 7,18
